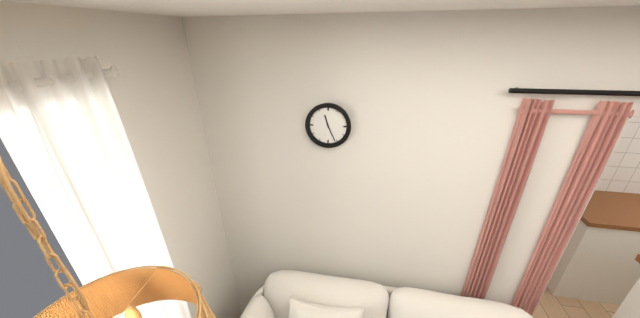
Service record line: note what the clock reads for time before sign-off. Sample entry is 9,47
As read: 11,26
